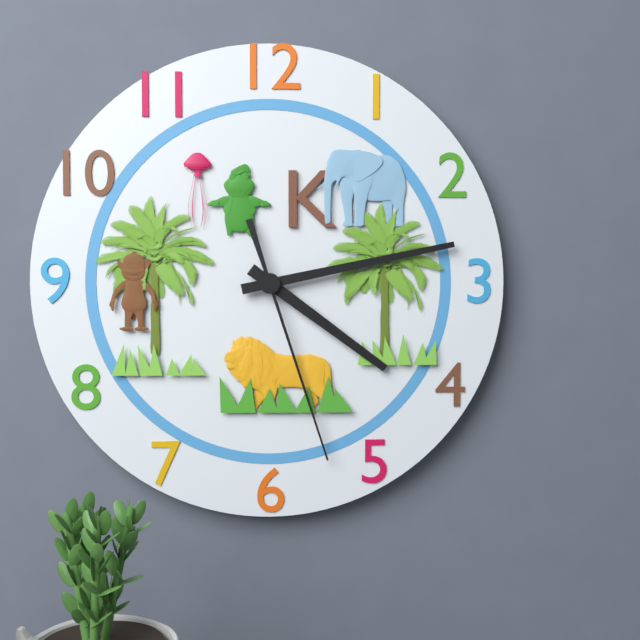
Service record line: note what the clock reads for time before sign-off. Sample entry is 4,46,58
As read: 4,13,27
